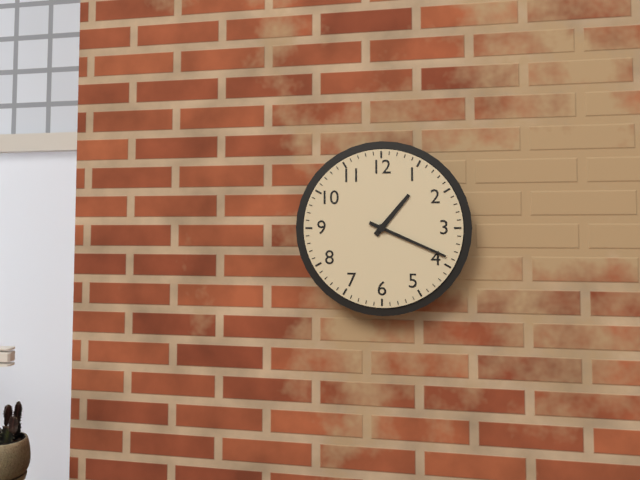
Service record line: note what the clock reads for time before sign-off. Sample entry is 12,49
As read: 1,19
